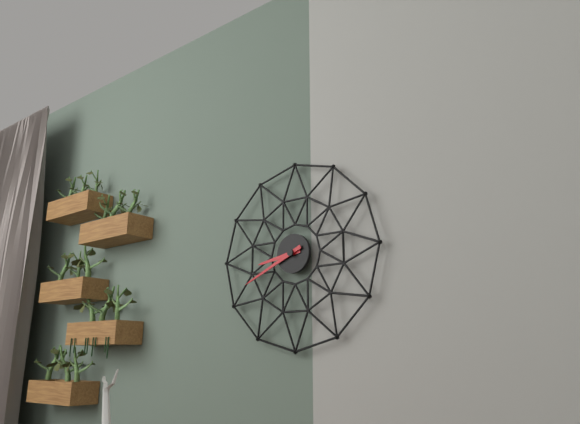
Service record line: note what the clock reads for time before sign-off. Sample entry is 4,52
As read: 8,41
